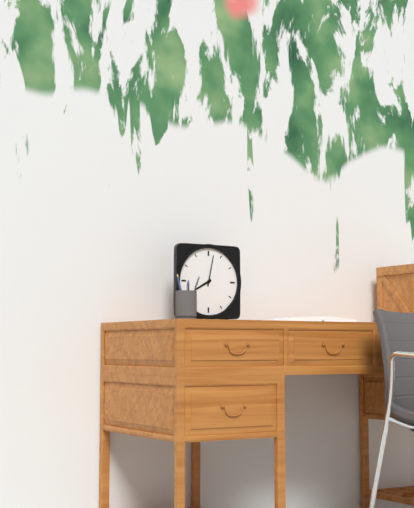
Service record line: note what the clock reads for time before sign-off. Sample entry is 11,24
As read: 8,02
